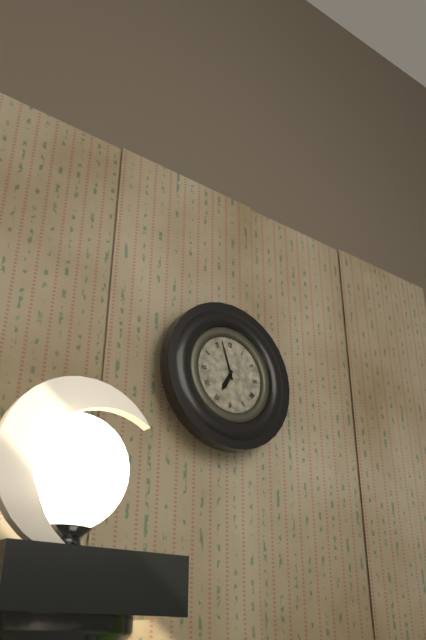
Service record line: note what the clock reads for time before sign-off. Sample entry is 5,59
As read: 6,57
